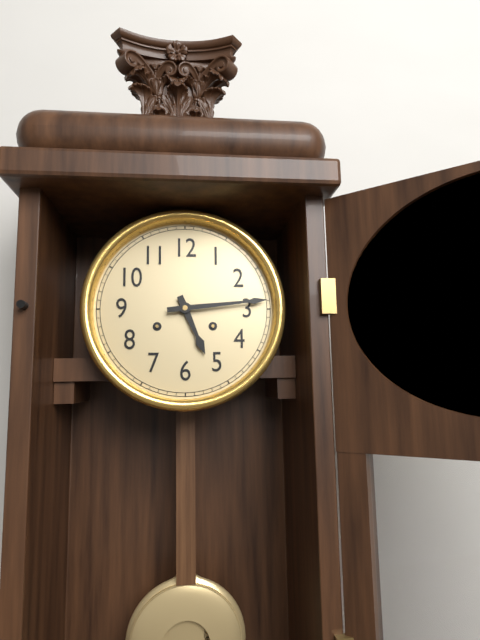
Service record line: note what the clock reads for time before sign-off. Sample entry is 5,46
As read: 5,14
